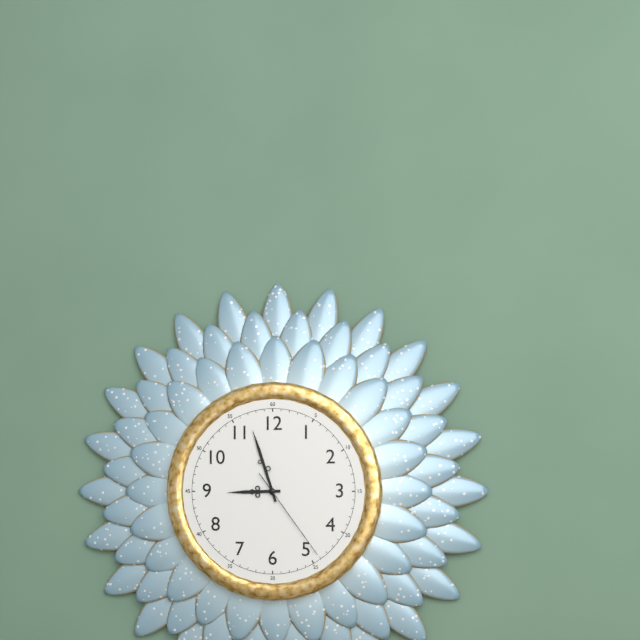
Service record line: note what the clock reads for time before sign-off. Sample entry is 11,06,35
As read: 8,57,24
